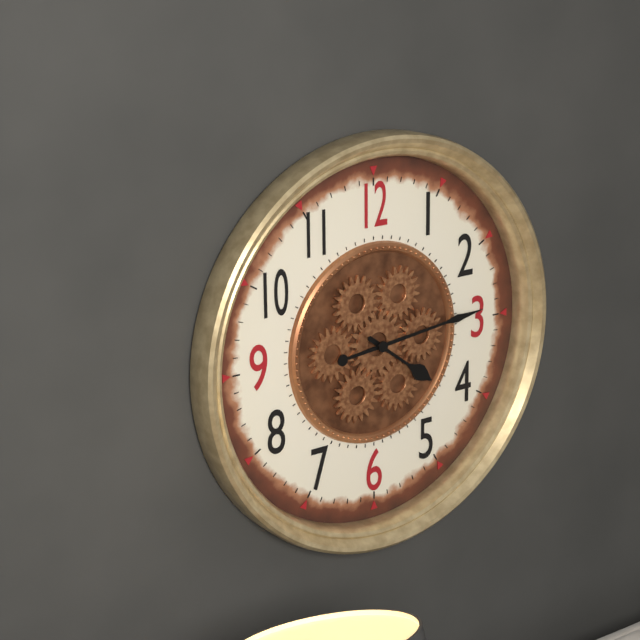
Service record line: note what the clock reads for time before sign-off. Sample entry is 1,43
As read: 4,14
